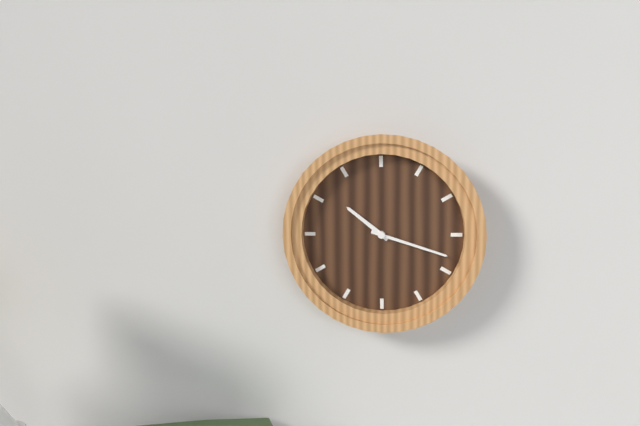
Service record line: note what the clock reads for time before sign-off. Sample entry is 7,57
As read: 10,18
